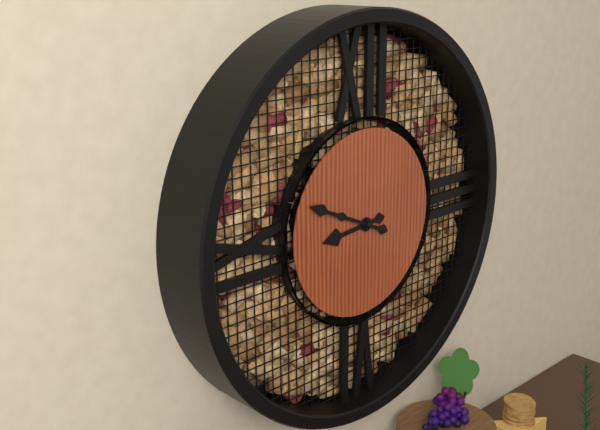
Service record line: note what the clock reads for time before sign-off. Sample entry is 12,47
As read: 8,49
